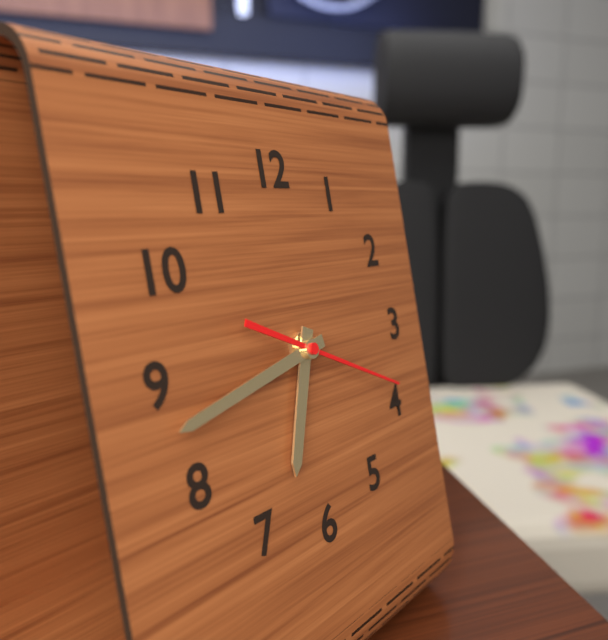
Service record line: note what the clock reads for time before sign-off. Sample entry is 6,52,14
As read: 6,43,19
